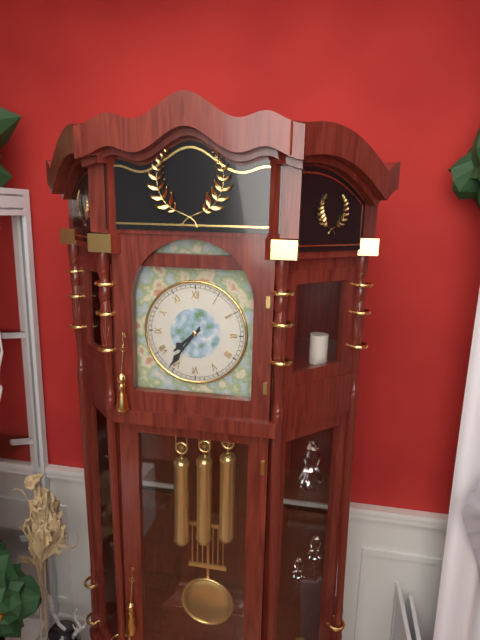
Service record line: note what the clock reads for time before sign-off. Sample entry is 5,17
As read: 7,36
